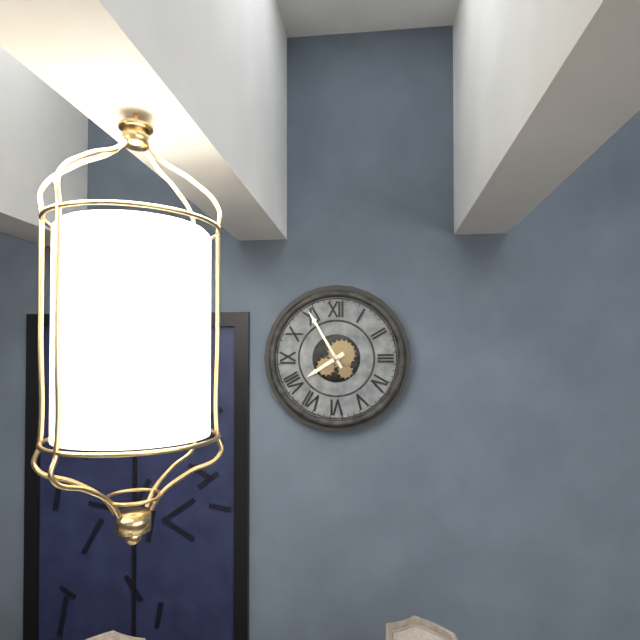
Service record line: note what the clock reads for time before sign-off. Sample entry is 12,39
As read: 7,55
